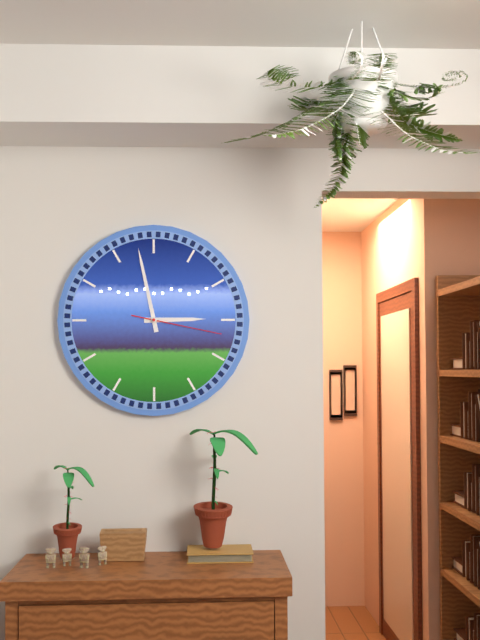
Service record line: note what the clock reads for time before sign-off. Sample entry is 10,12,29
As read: 2,58,17
